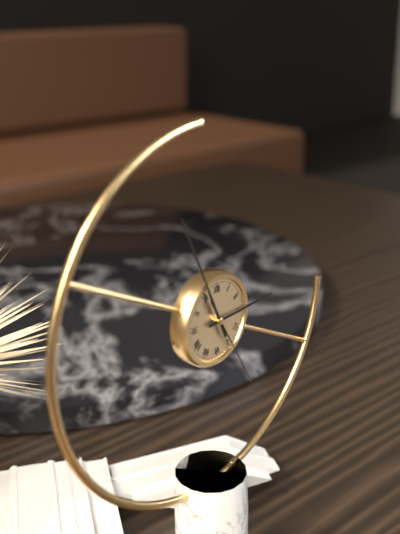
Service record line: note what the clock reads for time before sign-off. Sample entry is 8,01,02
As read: 2,56,25
